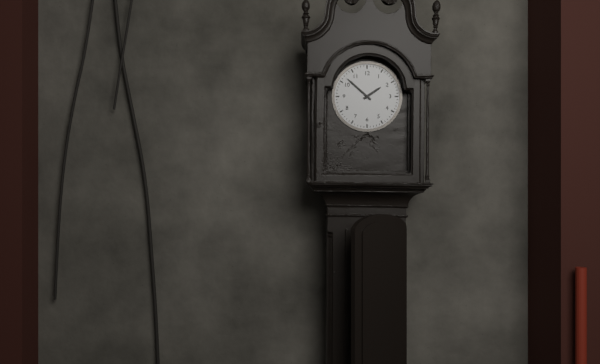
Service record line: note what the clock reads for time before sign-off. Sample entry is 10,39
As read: 1,52
